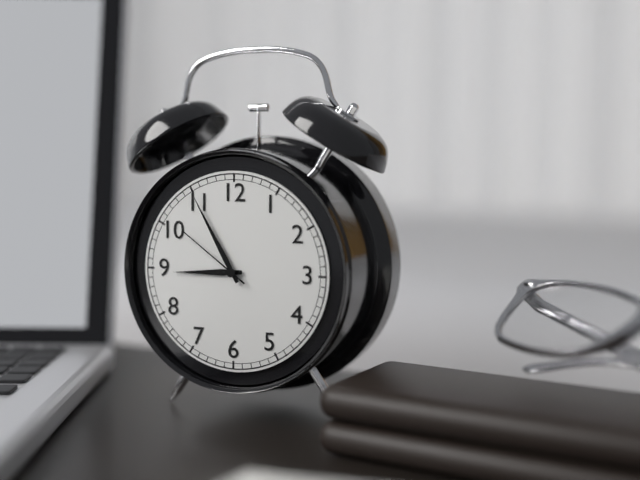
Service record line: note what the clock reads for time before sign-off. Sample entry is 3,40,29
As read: 8,55,51
